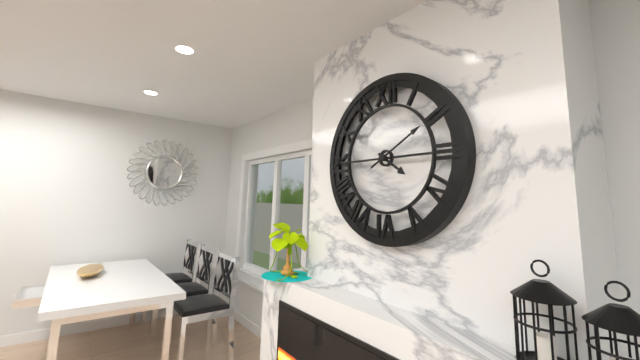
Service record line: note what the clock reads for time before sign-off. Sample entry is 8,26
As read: 4,10
